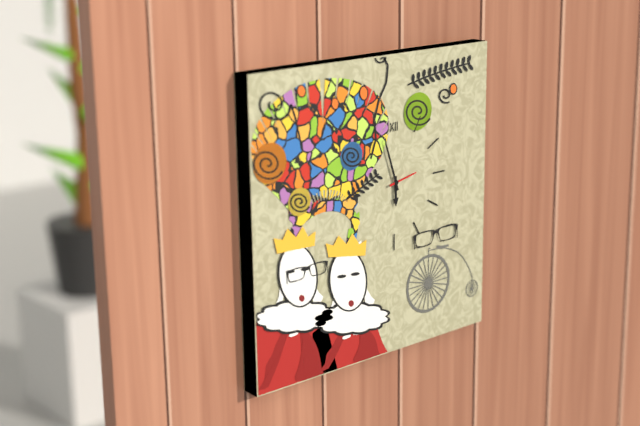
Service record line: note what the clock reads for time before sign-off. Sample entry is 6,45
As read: 5,57
